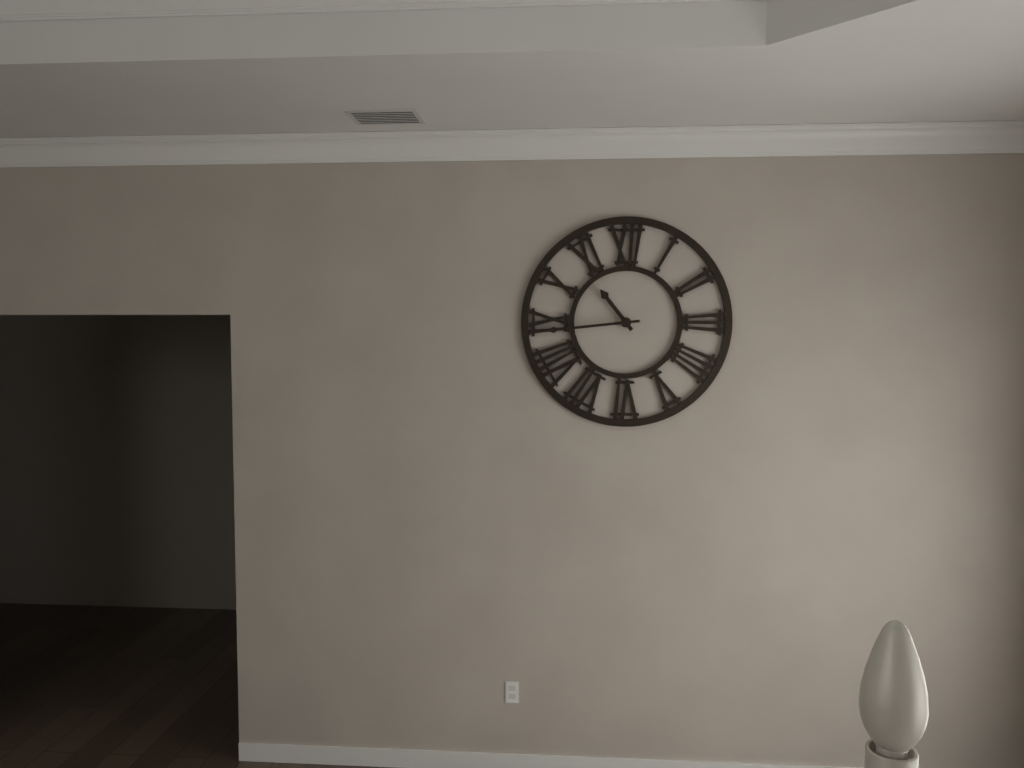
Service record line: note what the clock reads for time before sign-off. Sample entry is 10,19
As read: 10,44
